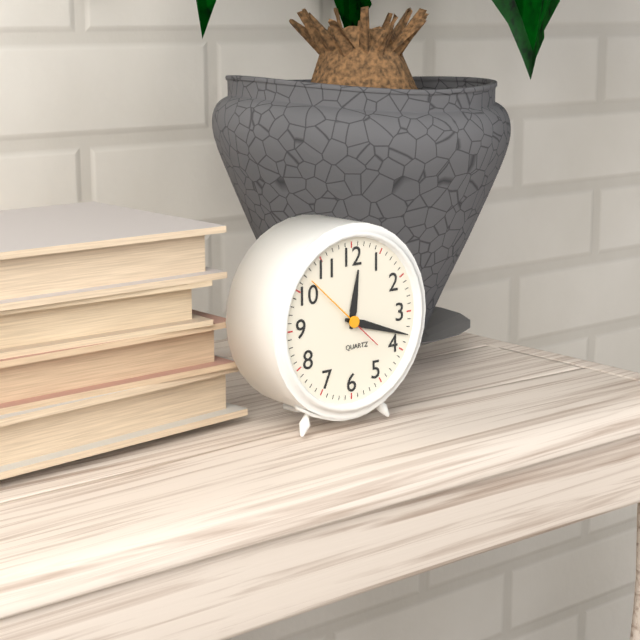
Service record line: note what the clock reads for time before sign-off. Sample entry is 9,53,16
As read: 12,18,52
